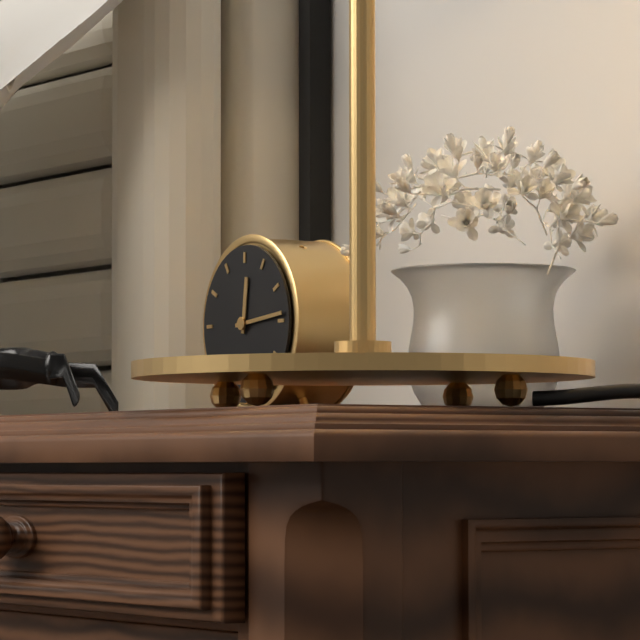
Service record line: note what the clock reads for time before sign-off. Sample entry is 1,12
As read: 12,14
